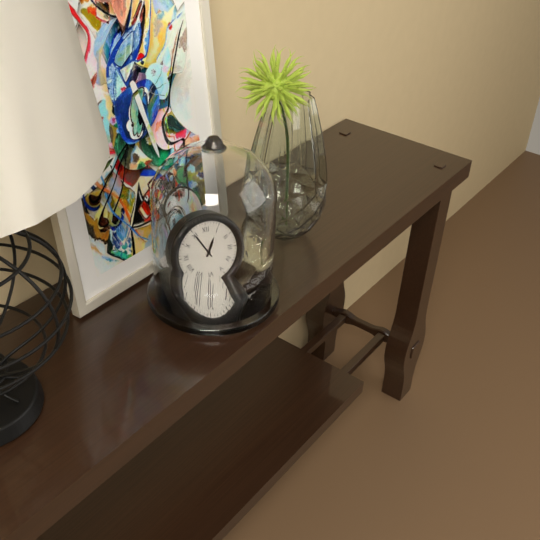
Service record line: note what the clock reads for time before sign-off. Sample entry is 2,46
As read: 12,55
